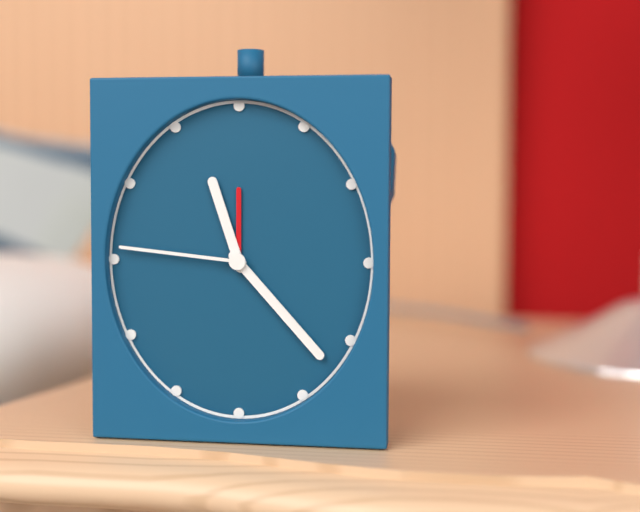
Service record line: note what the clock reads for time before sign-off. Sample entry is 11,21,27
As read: 11,23,46
